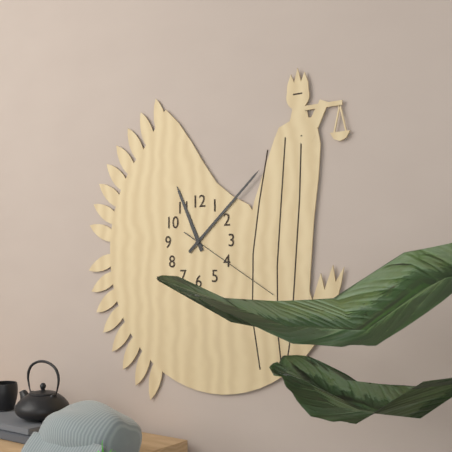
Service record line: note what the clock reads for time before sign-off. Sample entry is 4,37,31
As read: 11,08,20
